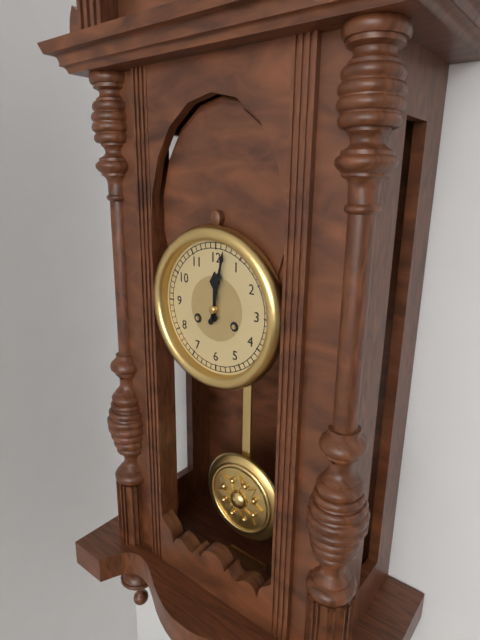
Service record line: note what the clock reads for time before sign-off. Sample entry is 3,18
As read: 12,02
